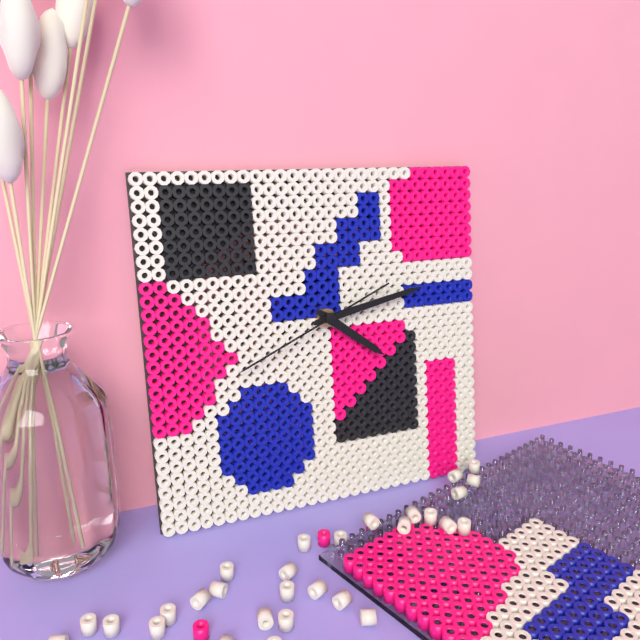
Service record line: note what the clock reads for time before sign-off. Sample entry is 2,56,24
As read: 4,13,41
